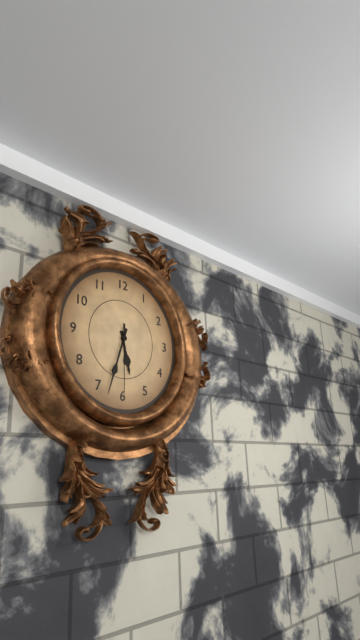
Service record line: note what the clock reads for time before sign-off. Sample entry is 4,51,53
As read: 5,33,30
